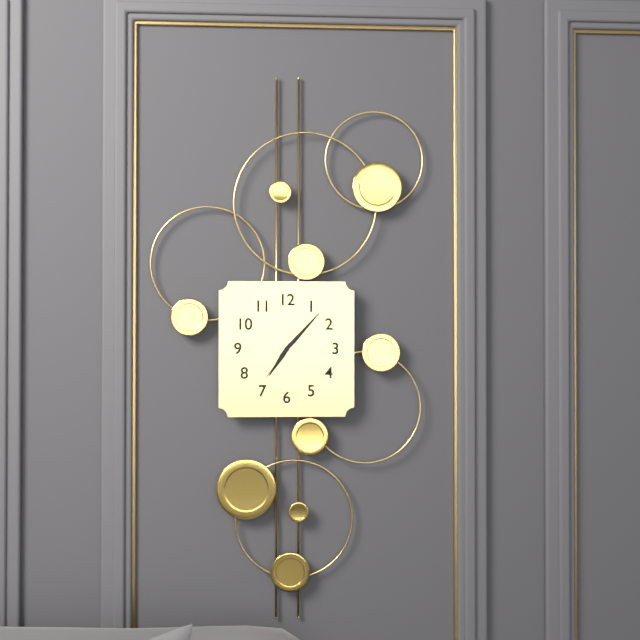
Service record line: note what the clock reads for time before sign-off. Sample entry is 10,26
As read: 7,07
